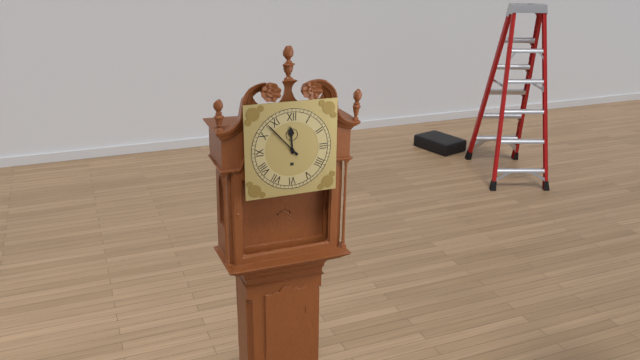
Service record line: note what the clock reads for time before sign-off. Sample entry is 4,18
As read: 11,53
